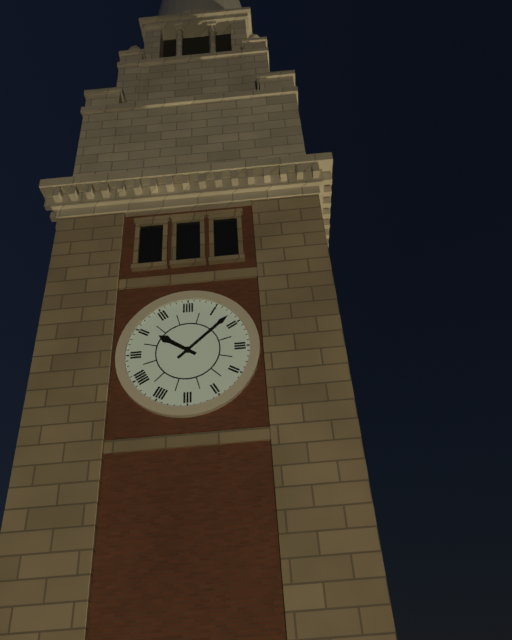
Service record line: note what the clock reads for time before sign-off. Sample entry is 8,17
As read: 10,08
